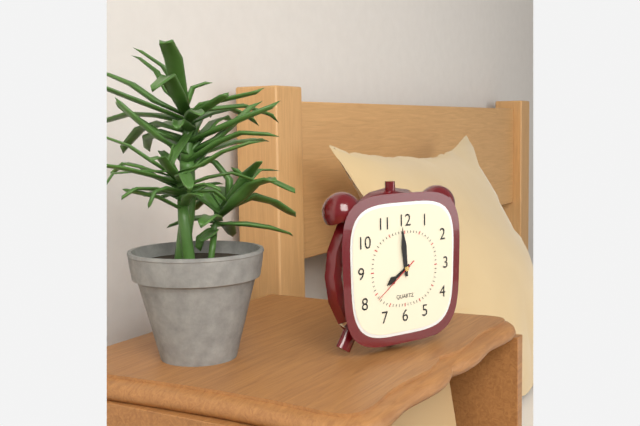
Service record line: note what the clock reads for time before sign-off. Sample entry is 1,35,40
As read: 7,59,39
